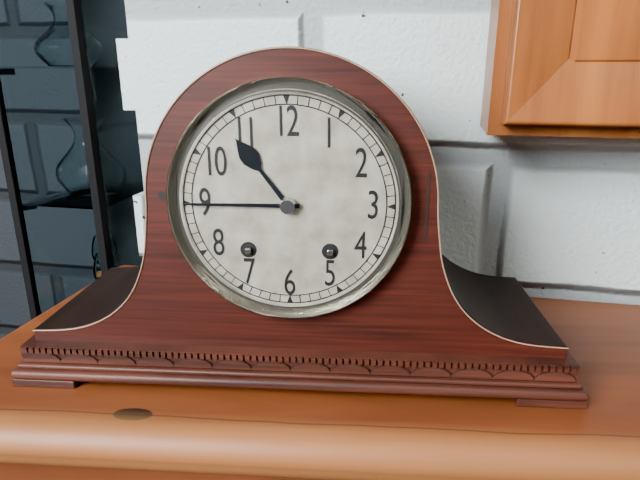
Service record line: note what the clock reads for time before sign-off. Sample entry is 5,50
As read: 10,45
